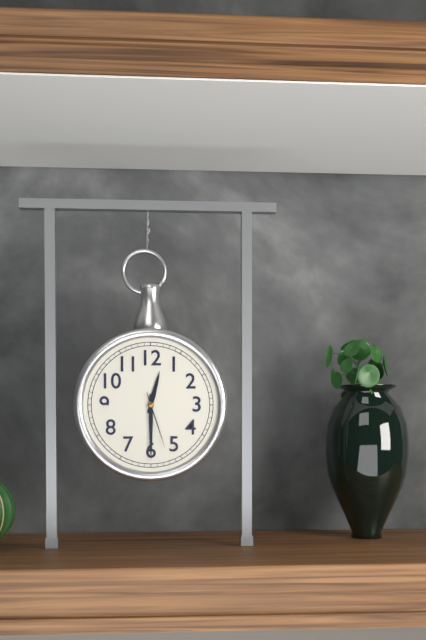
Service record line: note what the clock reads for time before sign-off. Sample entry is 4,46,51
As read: 12,30,27
